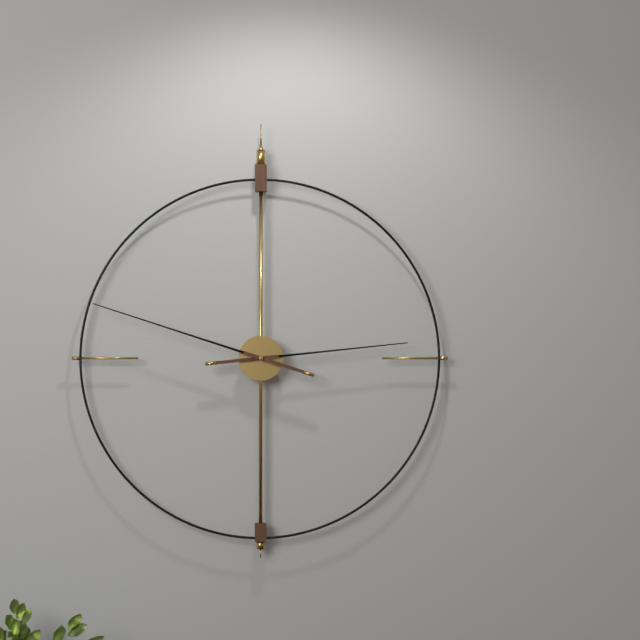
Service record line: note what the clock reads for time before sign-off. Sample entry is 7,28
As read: 2,48
